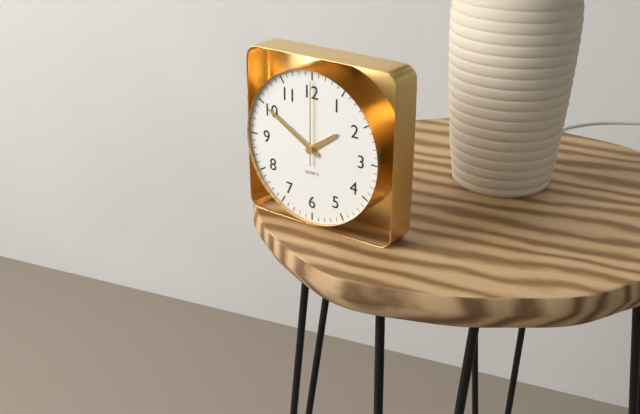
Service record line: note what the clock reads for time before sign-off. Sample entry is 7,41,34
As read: 1,50,00
